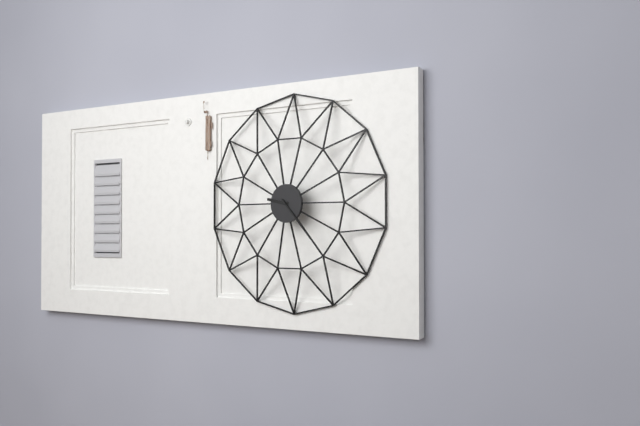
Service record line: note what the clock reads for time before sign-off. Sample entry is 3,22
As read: 9,23
